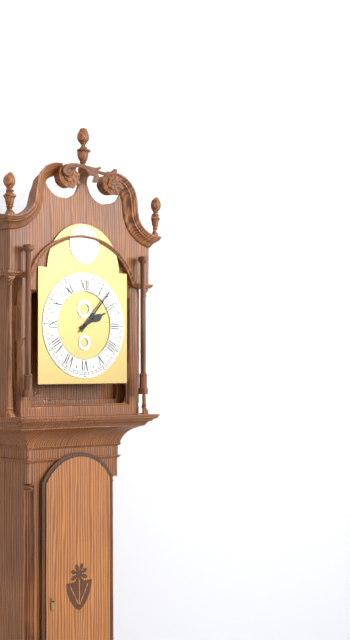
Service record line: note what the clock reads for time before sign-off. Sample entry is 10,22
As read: 2,07
